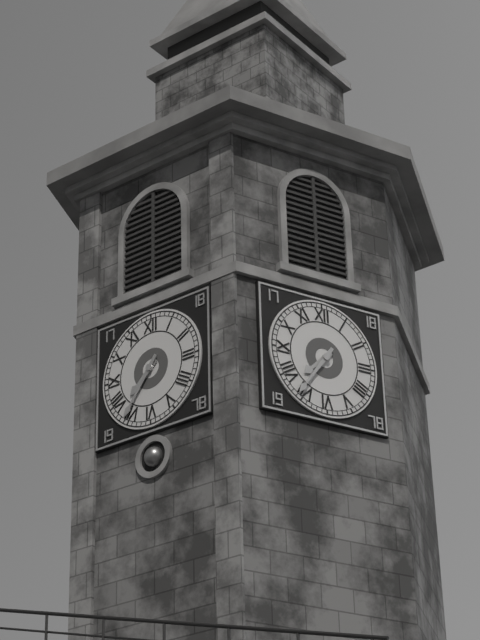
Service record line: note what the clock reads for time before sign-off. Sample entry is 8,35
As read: 7,36
